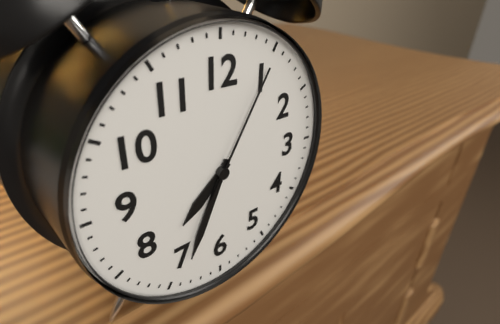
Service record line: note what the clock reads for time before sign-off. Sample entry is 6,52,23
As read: 7,34,05
